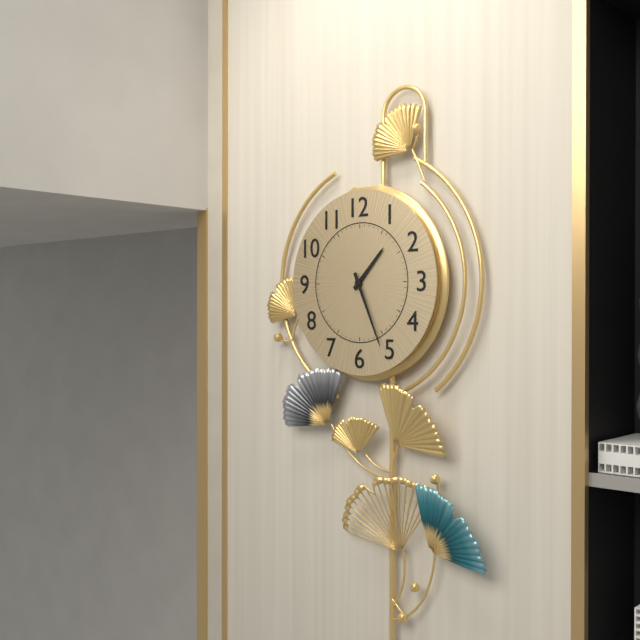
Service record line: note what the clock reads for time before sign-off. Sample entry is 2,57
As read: 1,26
